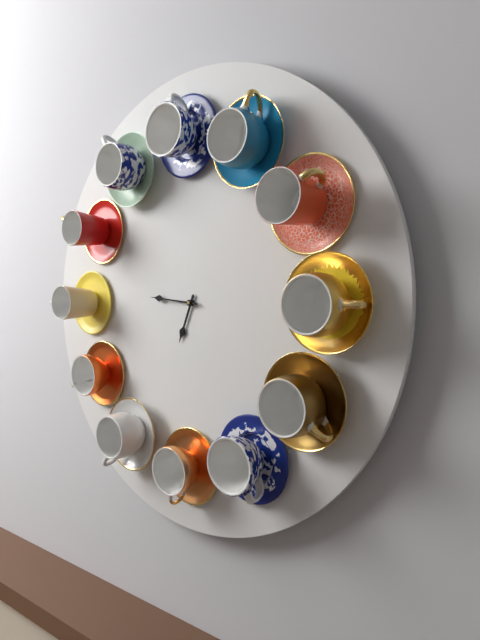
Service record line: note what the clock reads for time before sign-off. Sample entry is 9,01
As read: 6,46
